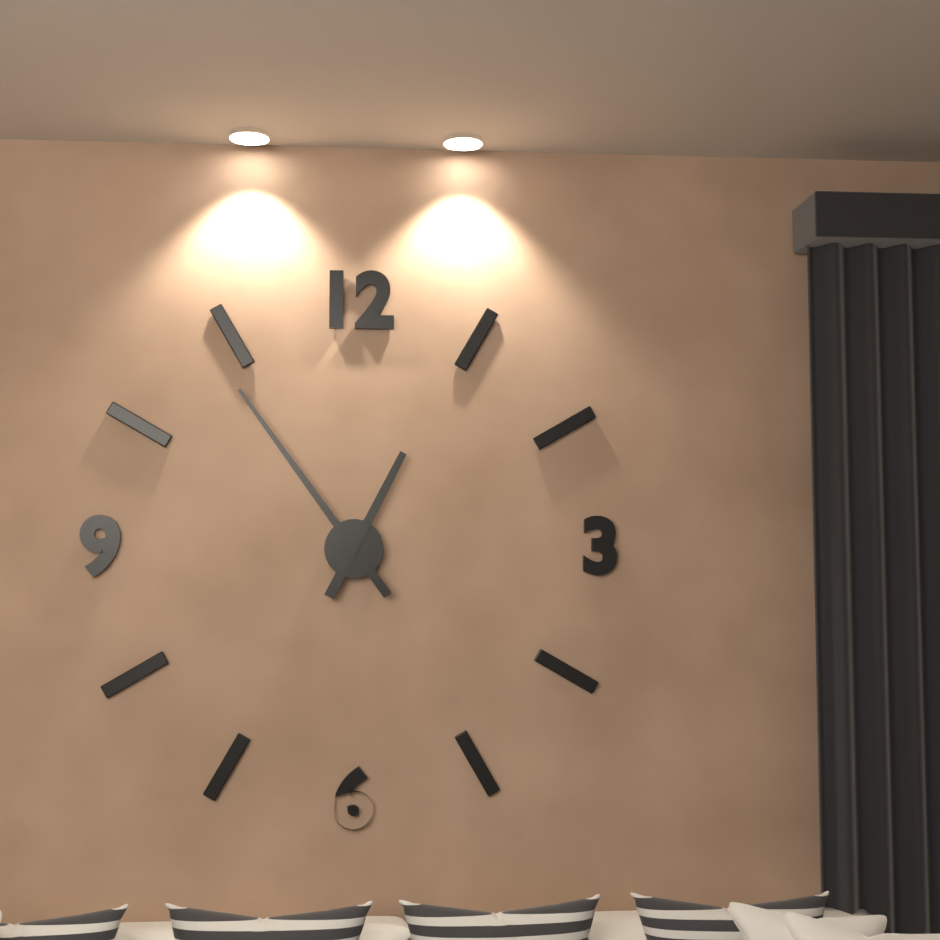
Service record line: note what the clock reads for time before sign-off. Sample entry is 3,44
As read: 12,54
